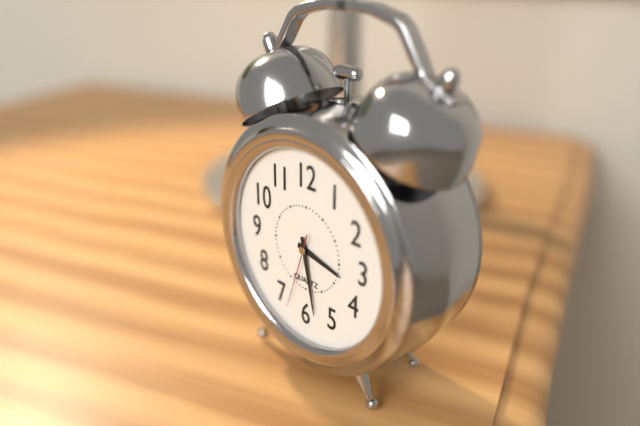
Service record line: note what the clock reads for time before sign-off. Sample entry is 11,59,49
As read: 3,28,33
